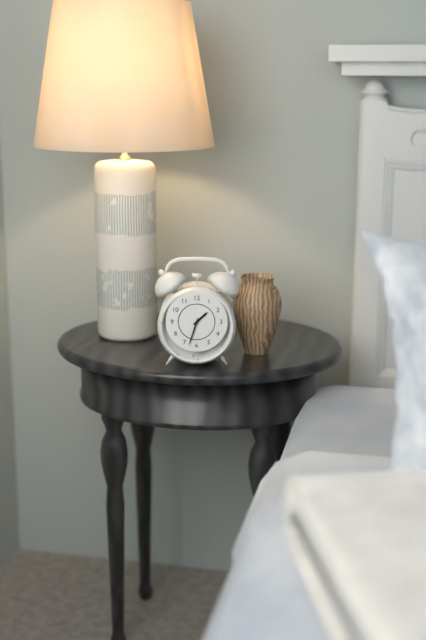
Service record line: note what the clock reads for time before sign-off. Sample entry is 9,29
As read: 1,33
